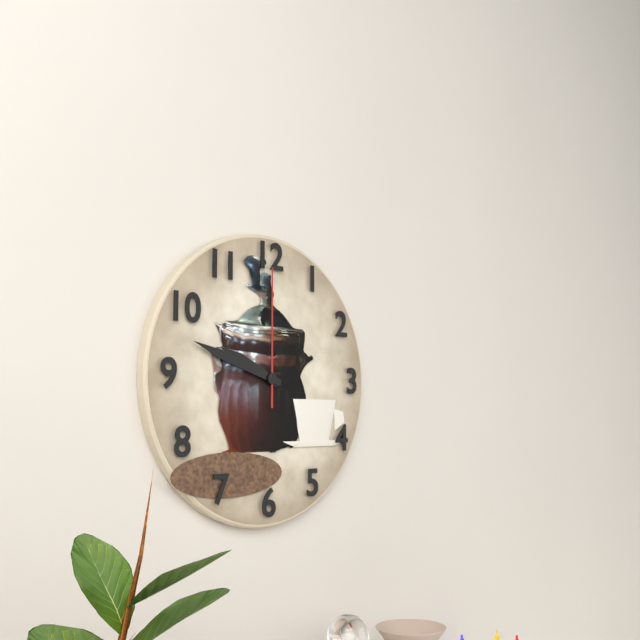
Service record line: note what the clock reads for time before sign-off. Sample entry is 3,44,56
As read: 9,48,00
